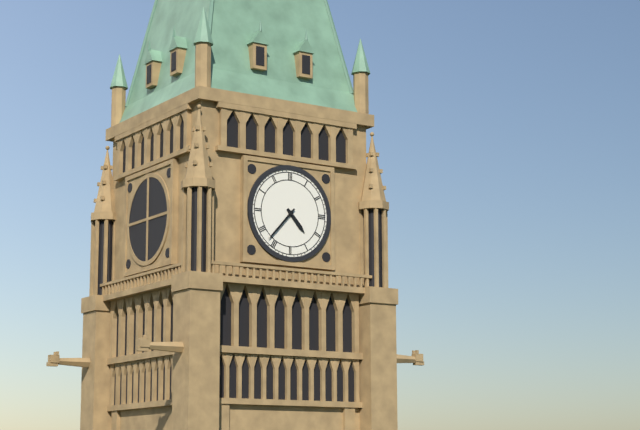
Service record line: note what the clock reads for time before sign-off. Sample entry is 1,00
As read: 4,37
